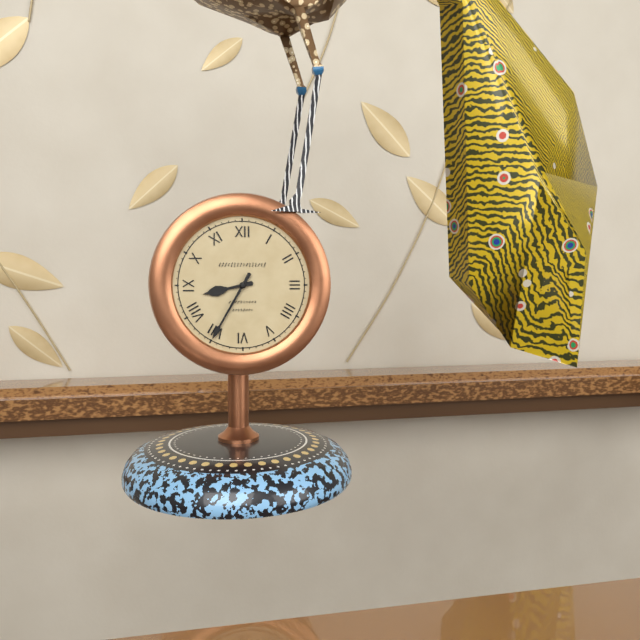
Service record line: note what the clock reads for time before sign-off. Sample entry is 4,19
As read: 8,35
